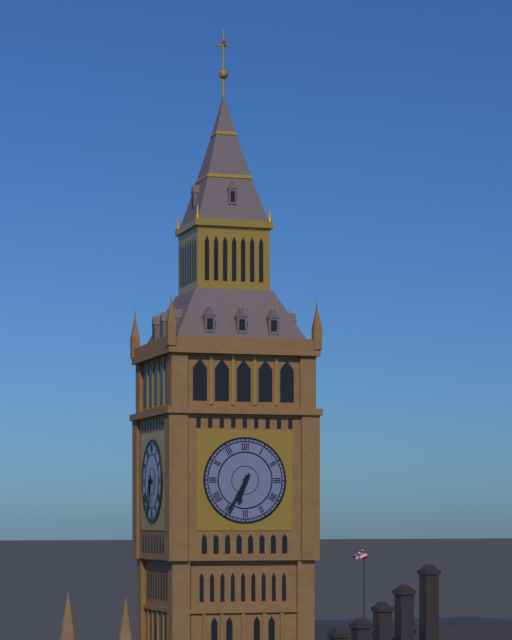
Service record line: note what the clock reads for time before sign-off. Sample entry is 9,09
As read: 6,35
